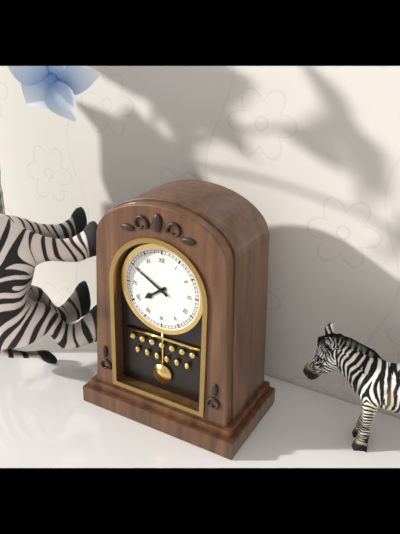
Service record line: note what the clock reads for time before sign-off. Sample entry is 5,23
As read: 7,50
